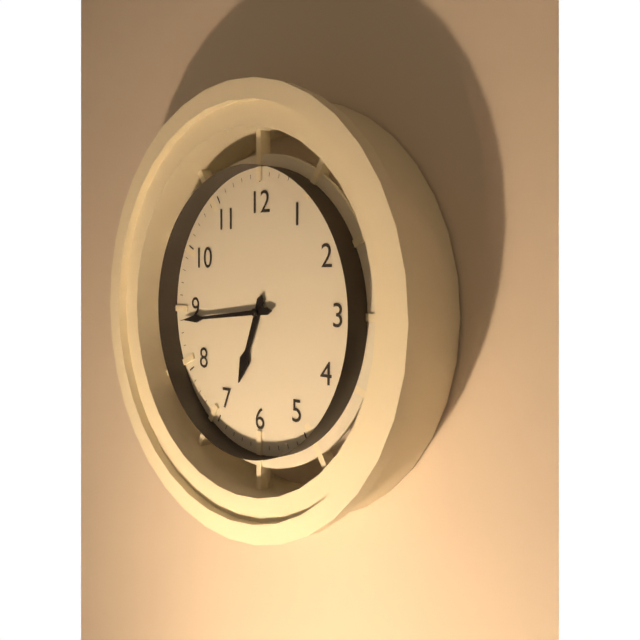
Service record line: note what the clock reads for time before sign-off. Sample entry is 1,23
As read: 6,44
